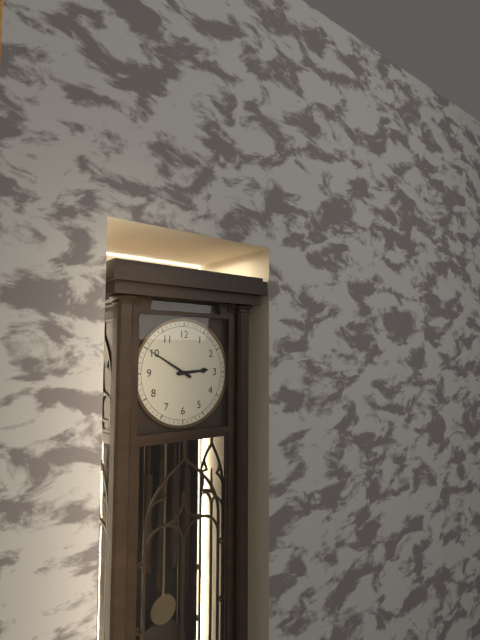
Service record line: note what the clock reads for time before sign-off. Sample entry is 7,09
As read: 2,50
